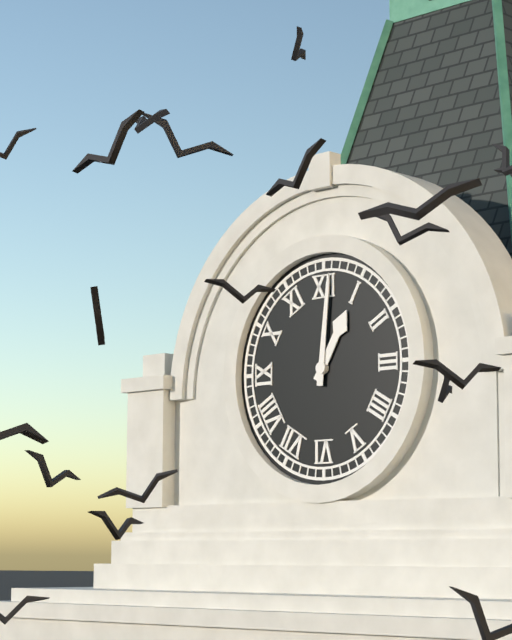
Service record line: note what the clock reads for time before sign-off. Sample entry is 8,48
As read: 1,01
